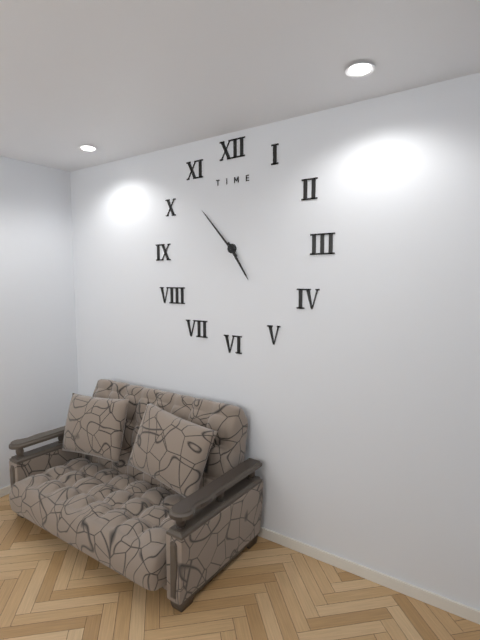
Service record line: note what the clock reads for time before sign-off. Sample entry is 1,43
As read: 4,53
